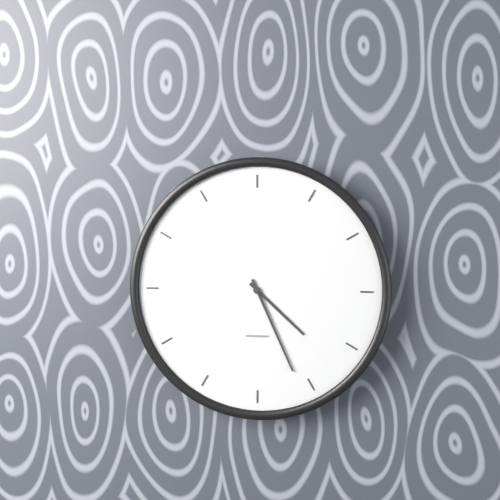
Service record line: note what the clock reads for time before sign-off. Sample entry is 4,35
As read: 4,26
